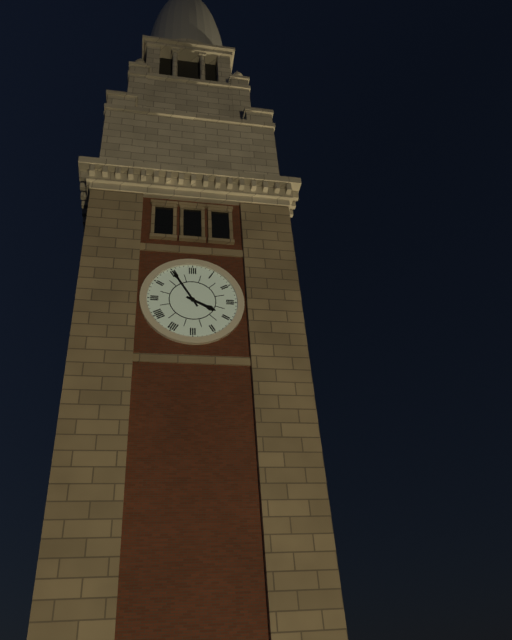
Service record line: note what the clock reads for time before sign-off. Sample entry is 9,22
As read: 3,55
